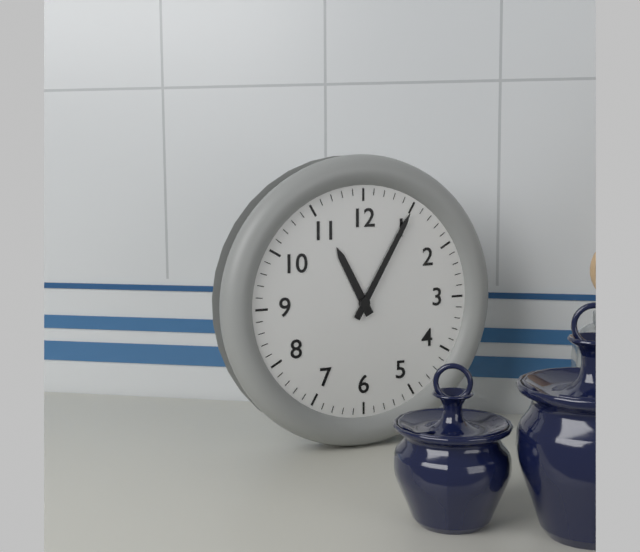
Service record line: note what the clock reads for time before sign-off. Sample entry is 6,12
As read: 11,05
